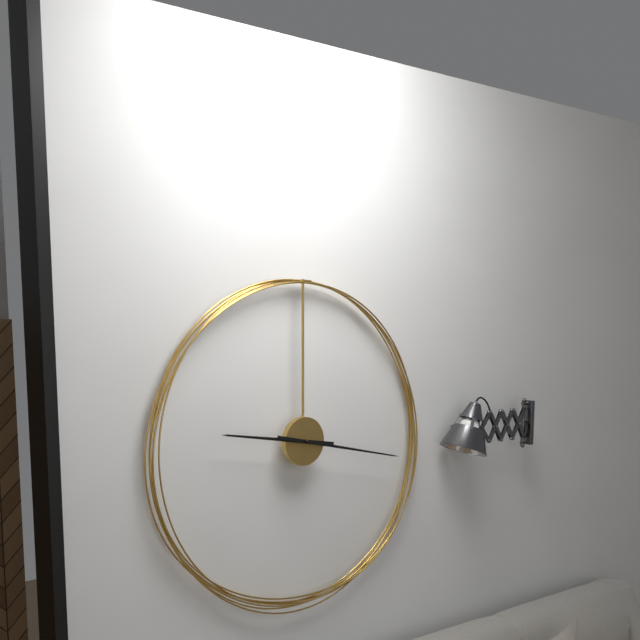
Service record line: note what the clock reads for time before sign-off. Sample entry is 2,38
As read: 9,17
